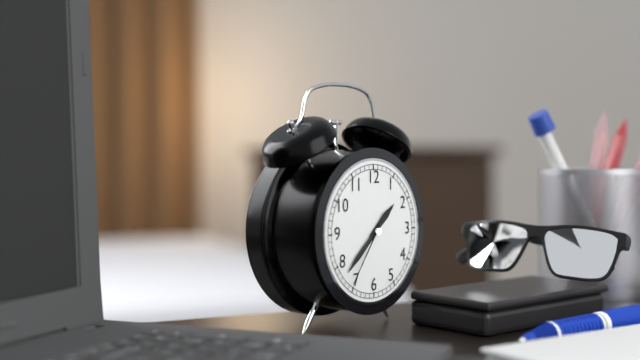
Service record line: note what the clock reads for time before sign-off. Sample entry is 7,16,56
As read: 1,38,36
